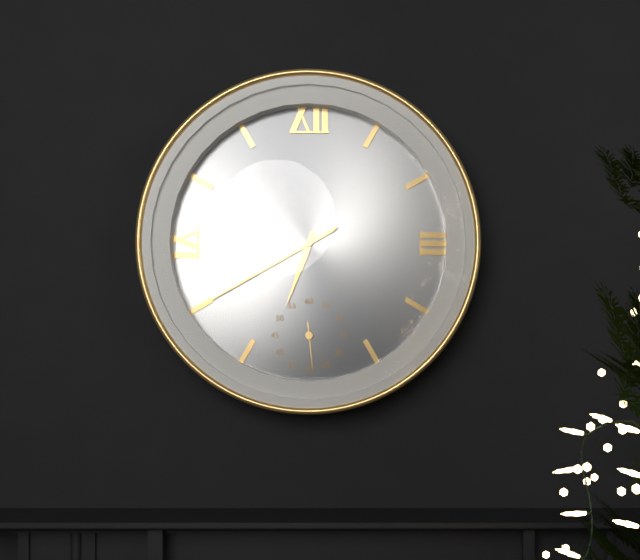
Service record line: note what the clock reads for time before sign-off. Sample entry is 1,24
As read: 6,40
